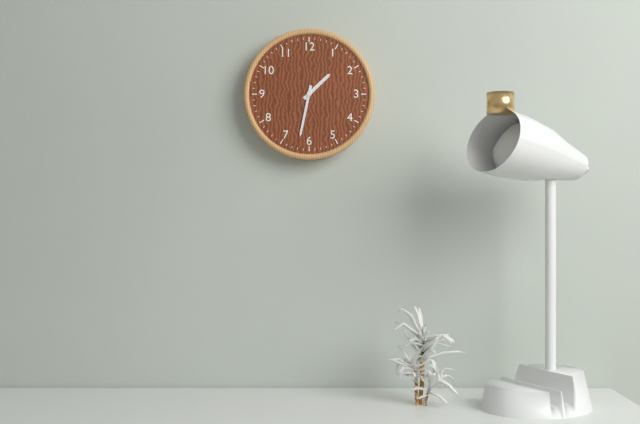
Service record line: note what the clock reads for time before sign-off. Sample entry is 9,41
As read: 1,32
